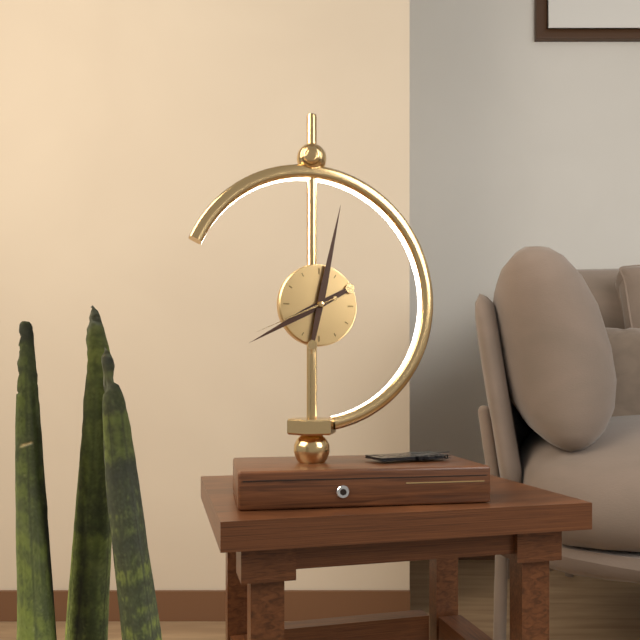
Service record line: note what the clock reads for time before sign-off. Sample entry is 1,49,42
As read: 8,02,41
